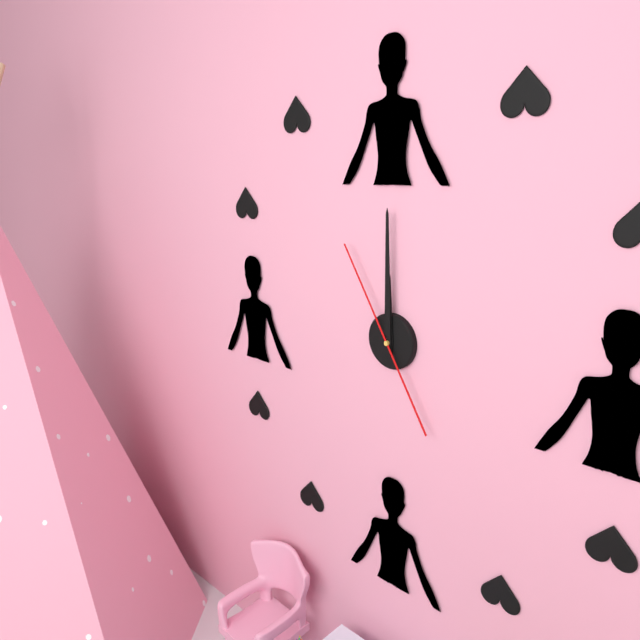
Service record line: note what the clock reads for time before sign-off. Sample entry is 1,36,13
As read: 12,00,55
